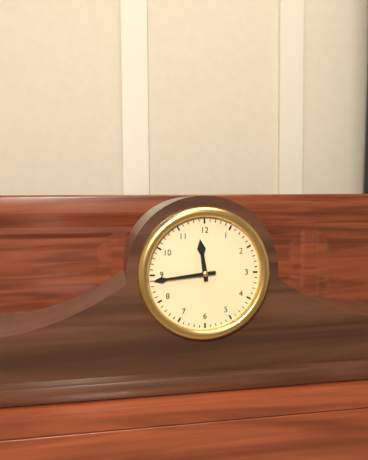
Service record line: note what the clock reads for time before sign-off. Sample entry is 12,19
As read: 11,44
